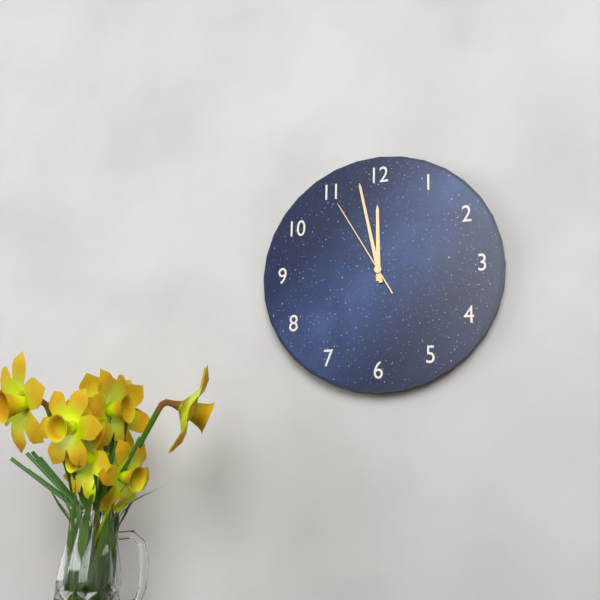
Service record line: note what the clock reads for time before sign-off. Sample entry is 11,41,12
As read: 11,58,55
